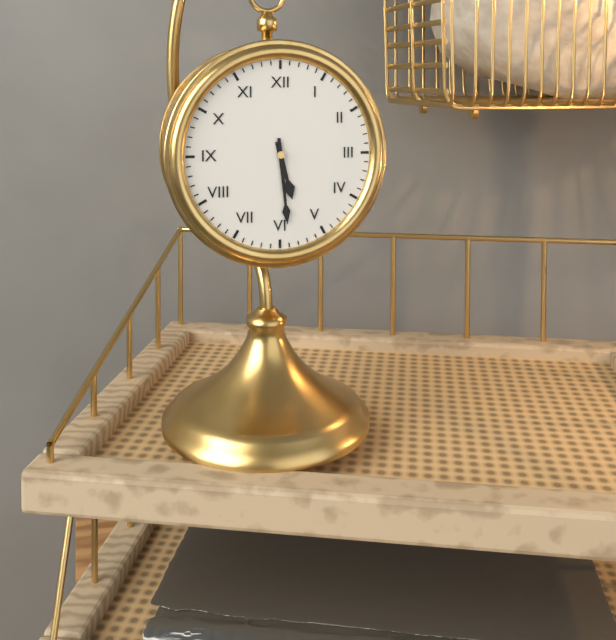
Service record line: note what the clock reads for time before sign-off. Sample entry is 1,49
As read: 5,29
